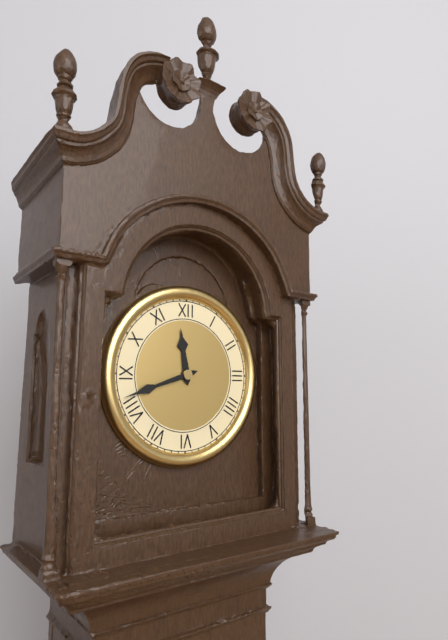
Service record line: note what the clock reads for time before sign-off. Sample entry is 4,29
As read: 11,42
